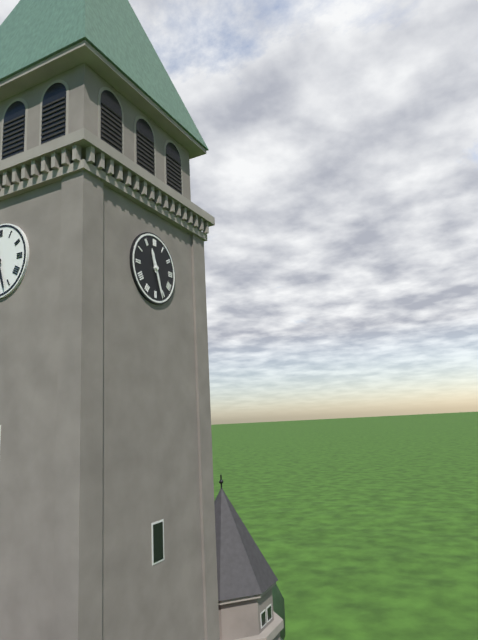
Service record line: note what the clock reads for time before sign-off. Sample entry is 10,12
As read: 11,27
